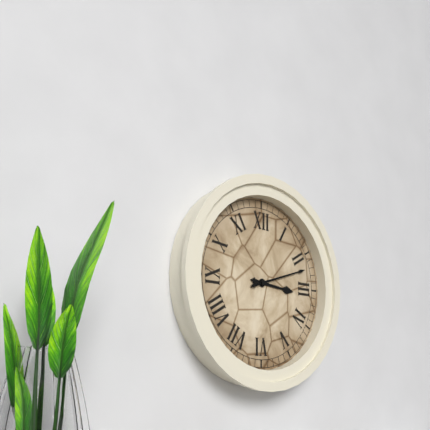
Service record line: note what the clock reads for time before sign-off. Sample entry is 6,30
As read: 3,12
